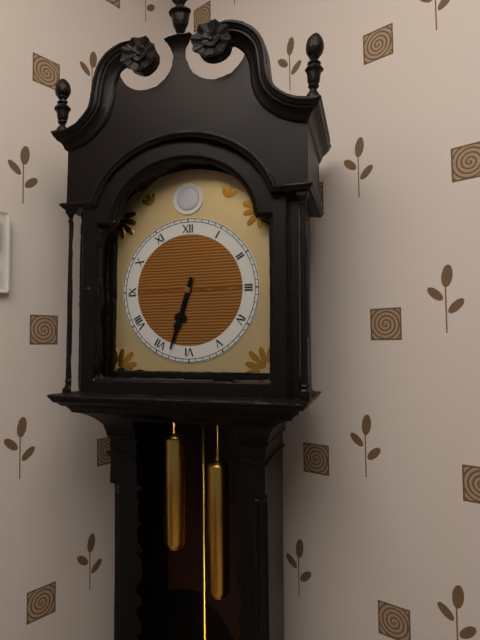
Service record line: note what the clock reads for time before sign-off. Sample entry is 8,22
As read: 6,33
